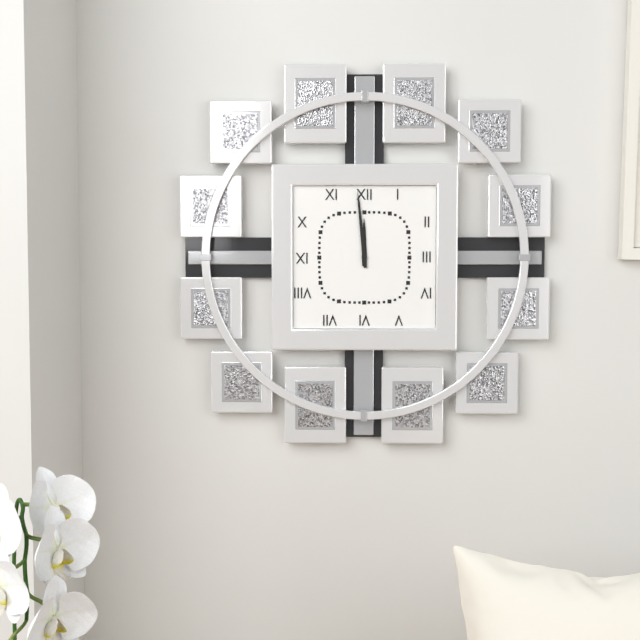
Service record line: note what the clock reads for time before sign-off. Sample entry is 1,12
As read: 11,59
